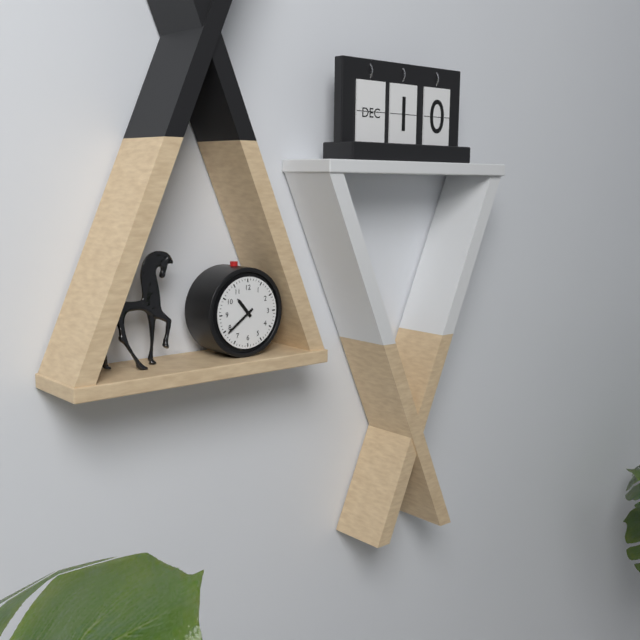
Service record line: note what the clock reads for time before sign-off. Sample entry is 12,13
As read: 10,39
